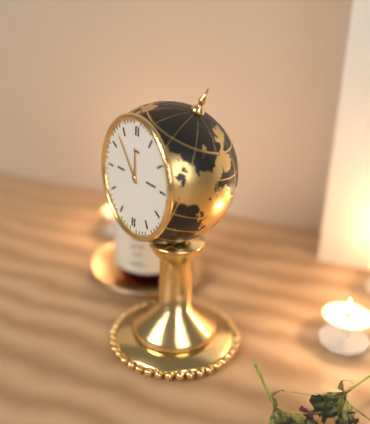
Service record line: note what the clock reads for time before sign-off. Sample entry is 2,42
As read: 11,53
